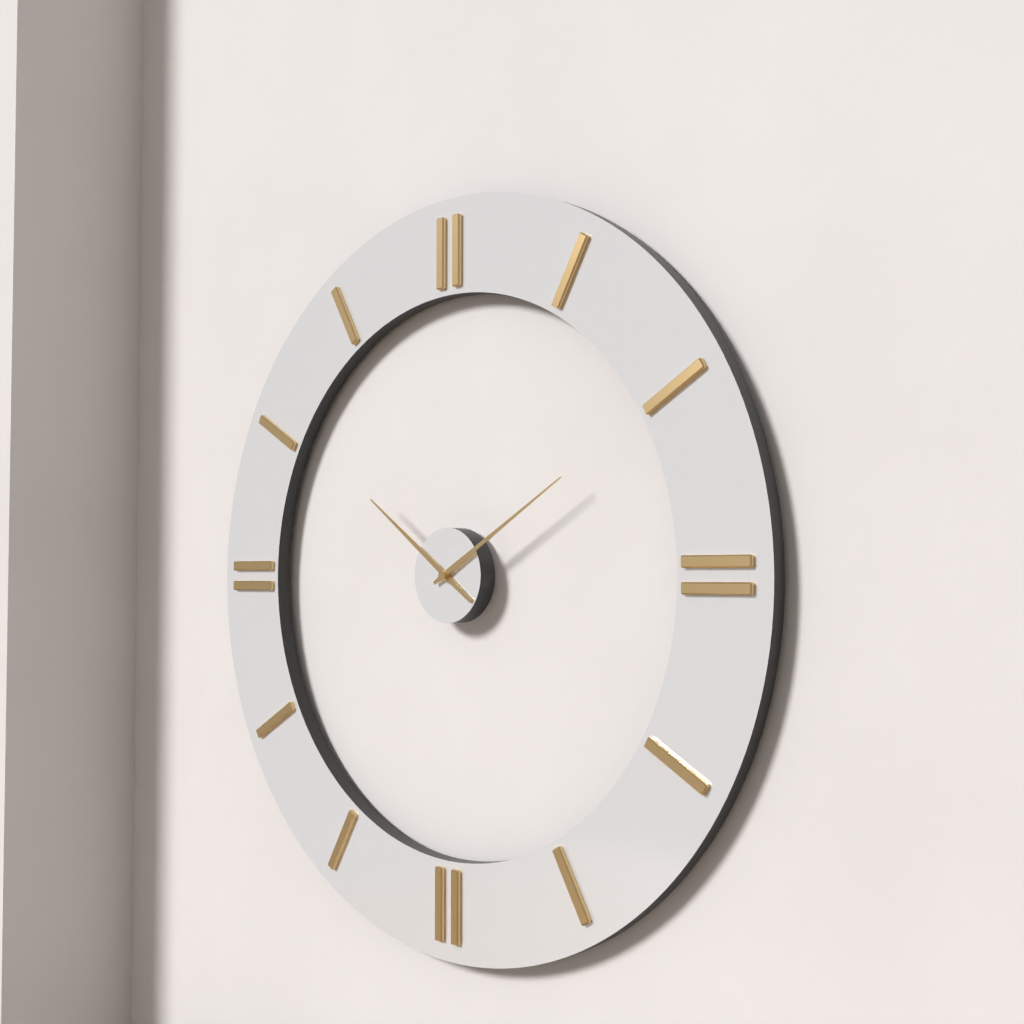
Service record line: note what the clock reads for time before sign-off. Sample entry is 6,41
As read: 10,10
